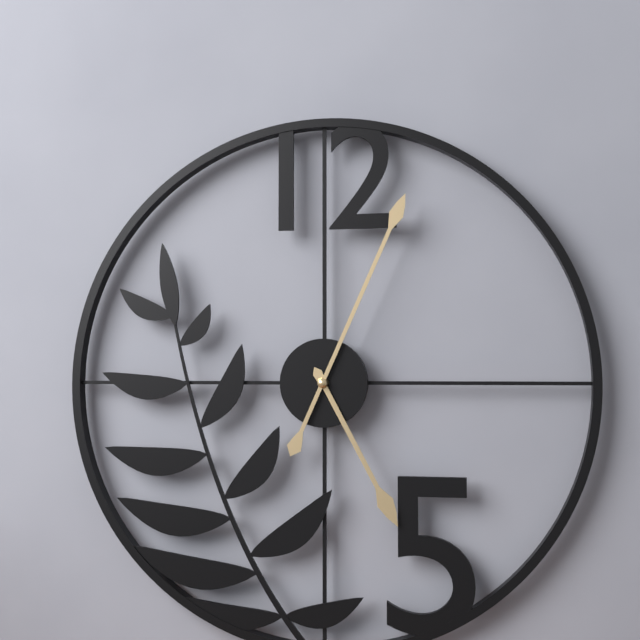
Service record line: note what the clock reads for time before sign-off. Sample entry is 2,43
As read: 5,04
